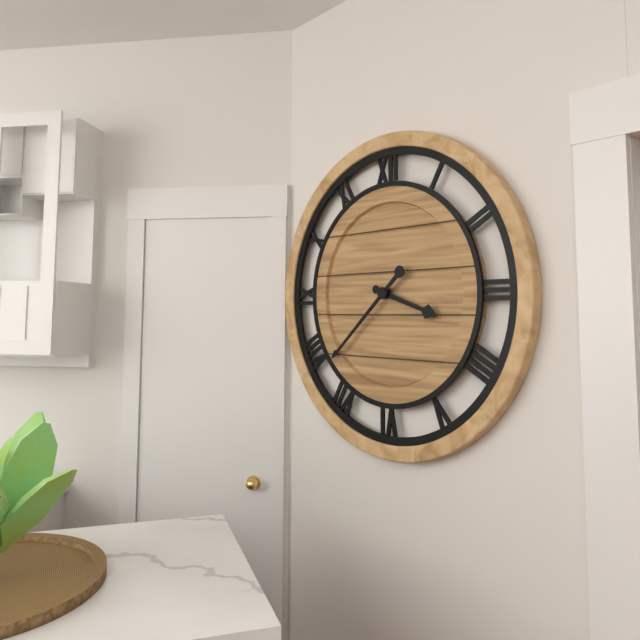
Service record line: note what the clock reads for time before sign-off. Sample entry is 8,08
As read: 3,38
